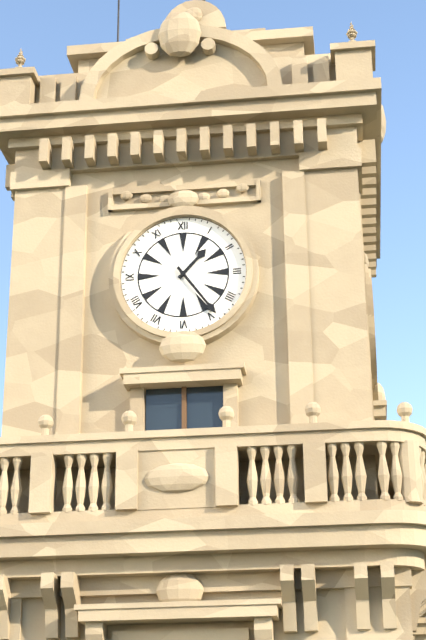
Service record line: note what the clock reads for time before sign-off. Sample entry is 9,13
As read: 1,24
